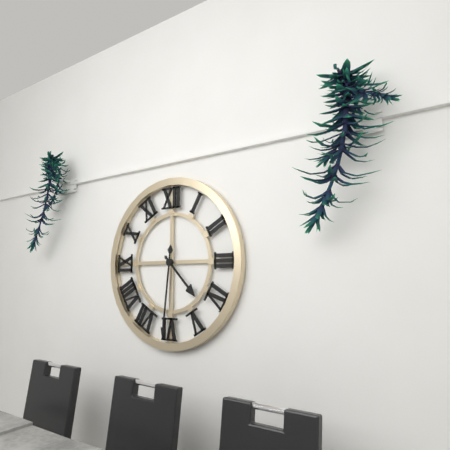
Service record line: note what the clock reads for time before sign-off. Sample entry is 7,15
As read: 4,31
